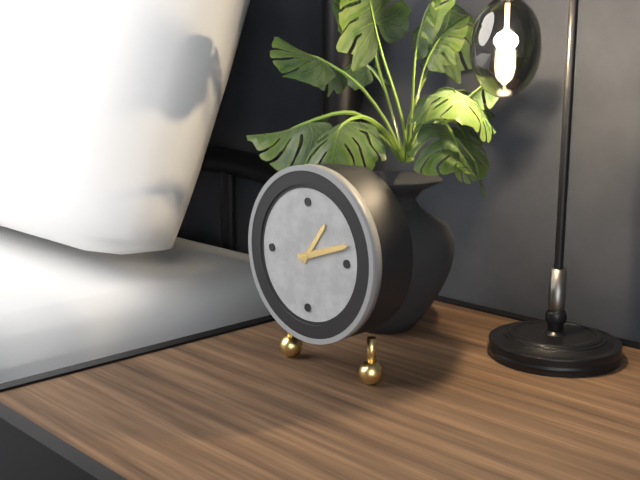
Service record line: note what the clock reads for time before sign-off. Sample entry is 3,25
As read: 1,12
